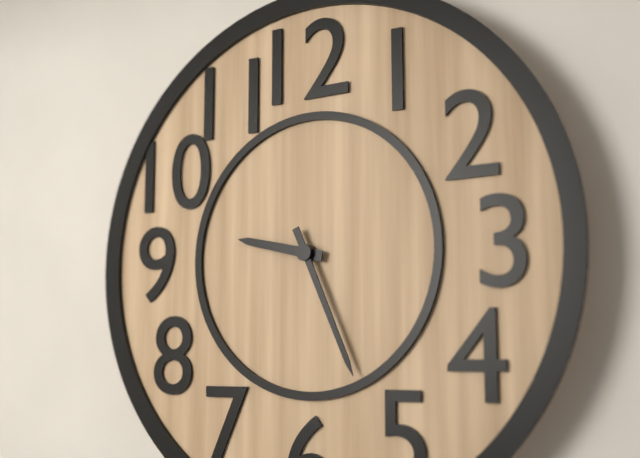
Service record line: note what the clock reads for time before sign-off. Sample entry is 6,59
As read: 9,26
